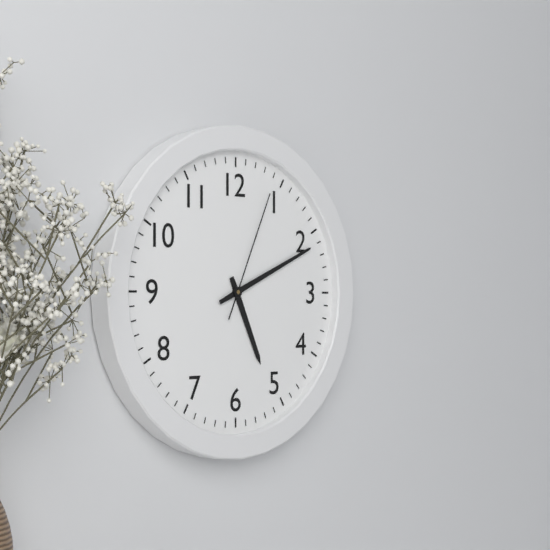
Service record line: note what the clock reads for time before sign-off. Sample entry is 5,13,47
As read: 5,11,04
